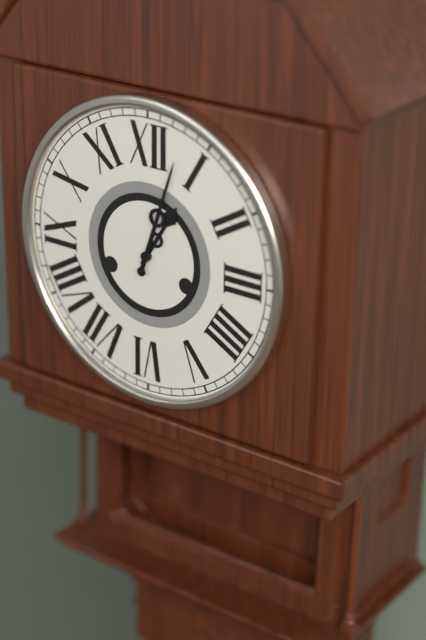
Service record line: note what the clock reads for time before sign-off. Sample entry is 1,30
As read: 1,03
